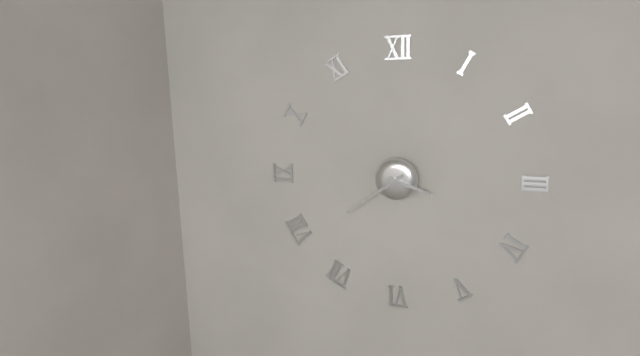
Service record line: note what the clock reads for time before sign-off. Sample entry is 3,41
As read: 3,39
